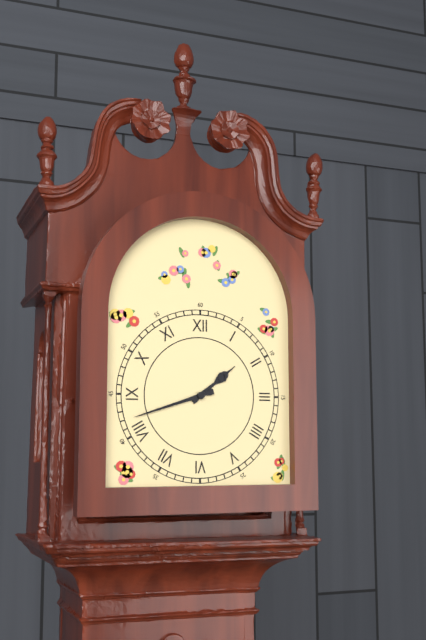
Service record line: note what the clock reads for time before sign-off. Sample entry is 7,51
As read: 1,42
